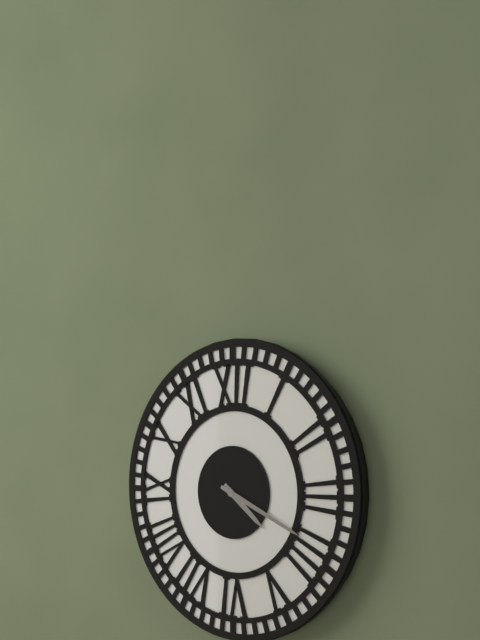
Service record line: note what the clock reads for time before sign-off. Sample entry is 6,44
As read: 4,19
